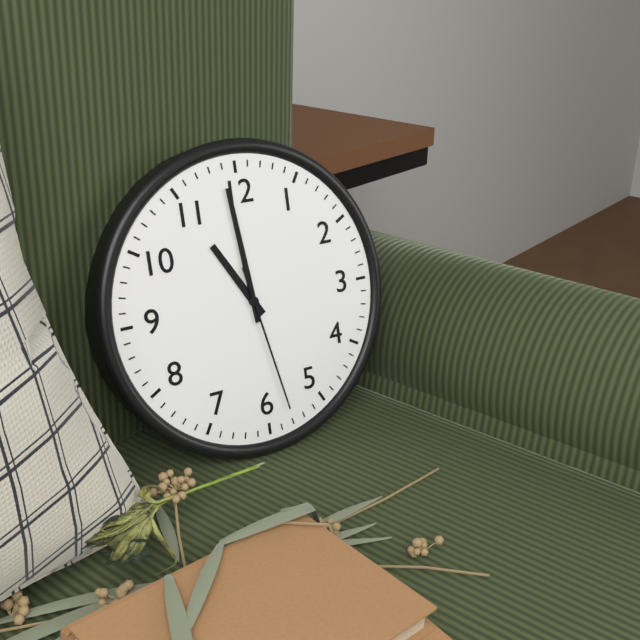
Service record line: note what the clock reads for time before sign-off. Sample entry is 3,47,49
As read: 10,59,28
